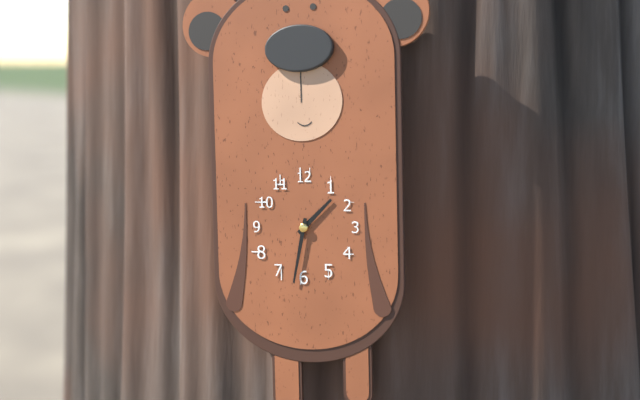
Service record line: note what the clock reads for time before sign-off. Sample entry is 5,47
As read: 1,32
